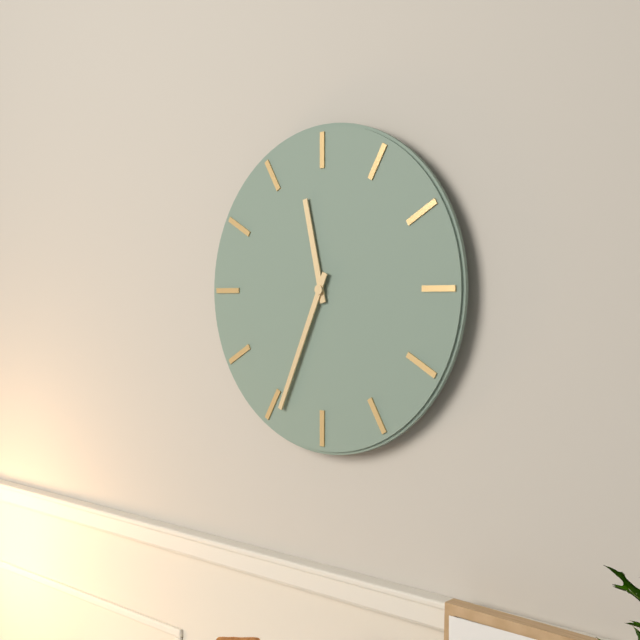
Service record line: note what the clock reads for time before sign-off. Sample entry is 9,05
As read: 11,34
